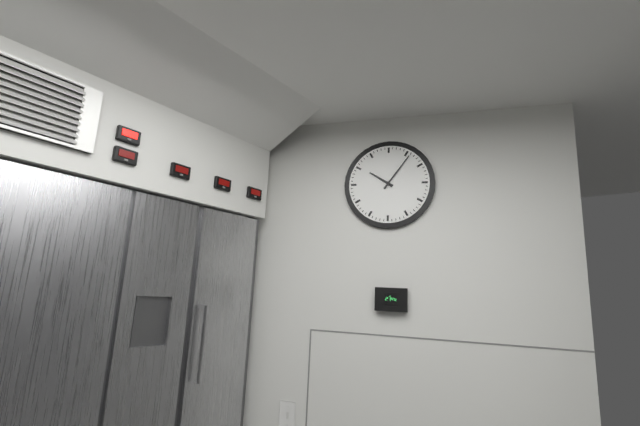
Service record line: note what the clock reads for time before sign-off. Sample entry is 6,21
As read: 10,06
